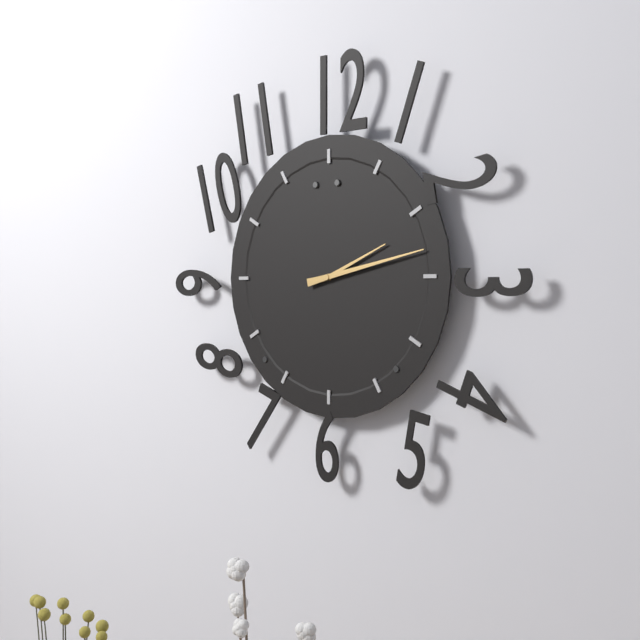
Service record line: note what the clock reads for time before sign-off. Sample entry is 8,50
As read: 2,13
